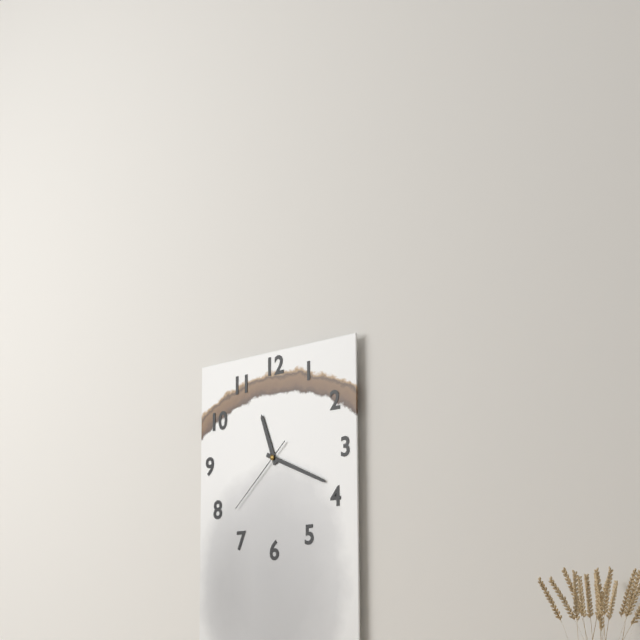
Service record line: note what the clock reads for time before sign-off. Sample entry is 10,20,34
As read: 11,19,38
